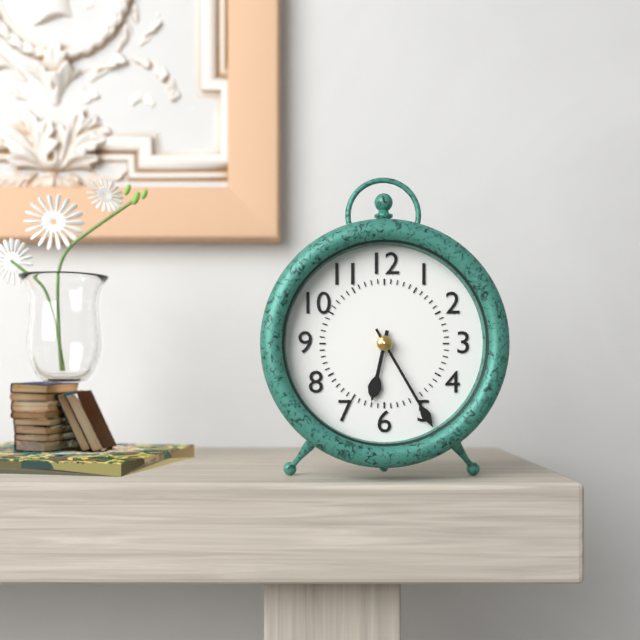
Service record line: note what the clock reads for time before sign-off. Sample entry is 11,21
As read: 6,25
